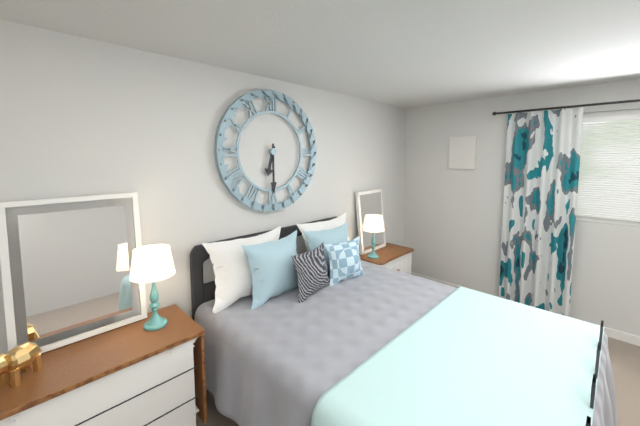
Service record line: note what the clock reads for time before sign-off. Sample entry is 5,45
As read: 6,30
